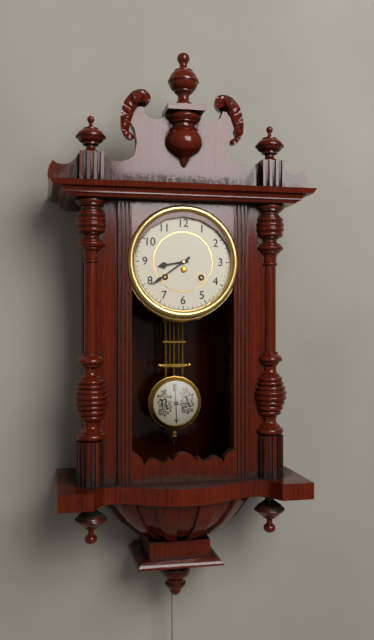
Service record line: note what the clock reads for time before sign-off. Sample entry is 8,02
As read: 8,39
